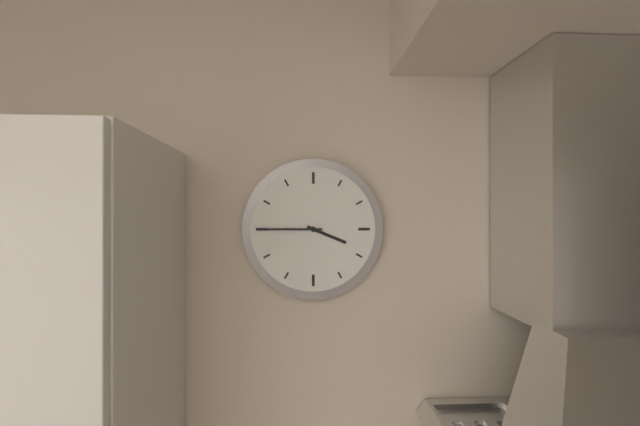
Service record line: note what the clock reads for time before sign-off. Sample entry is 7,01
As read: 3,45
